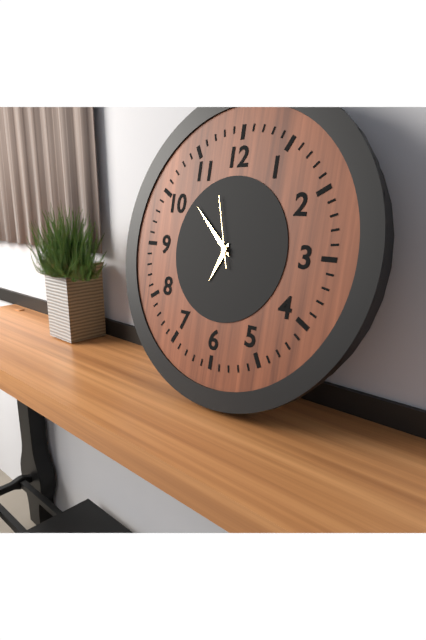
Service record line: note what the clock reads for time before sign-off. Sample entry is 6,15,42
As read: 6,52,57
